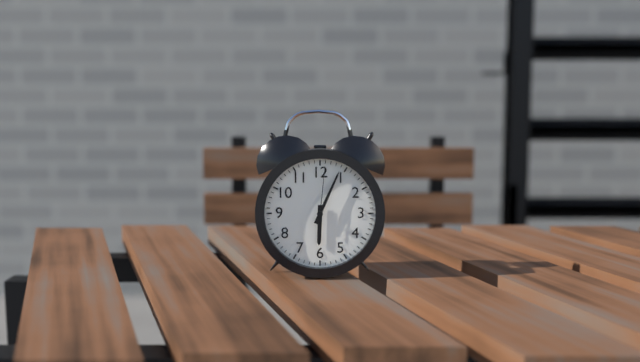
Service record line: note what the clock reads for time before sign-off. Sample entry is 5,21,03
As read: 6,04,01
